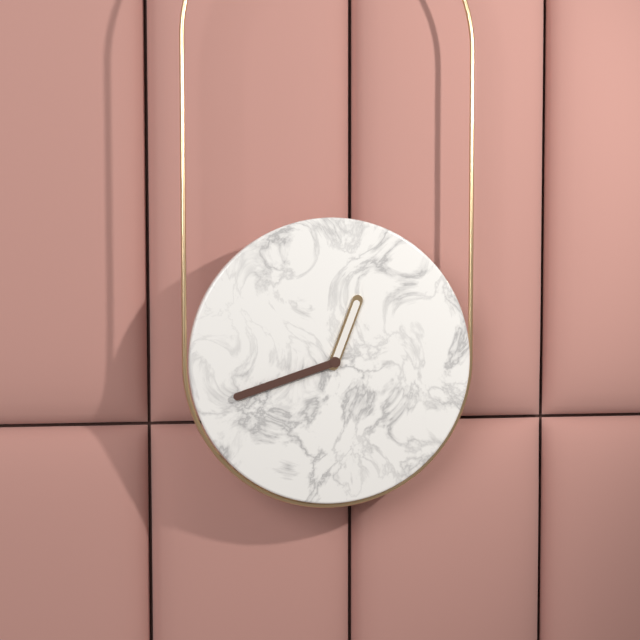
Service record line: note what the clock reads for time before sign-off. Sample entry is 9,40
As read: 12,42
